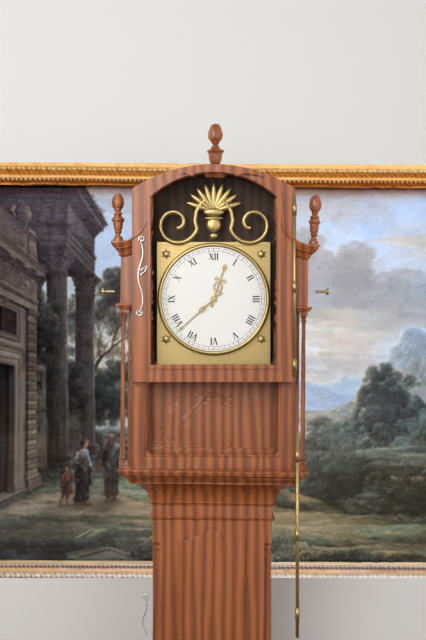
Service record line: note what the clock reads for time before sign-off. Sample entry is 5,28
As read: 12,38
